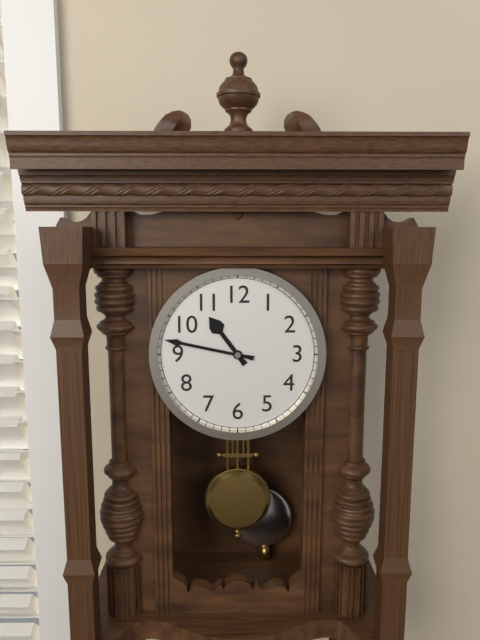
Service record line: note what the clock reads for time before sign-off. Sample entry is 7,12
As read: 10,47
